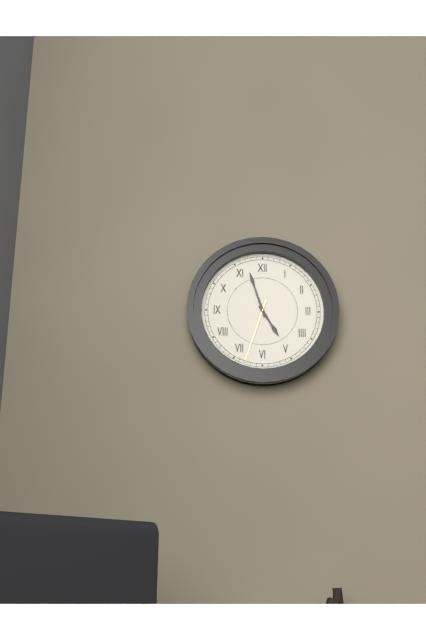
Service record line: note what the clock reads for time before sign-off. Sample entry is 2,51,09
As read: 4,57,33
